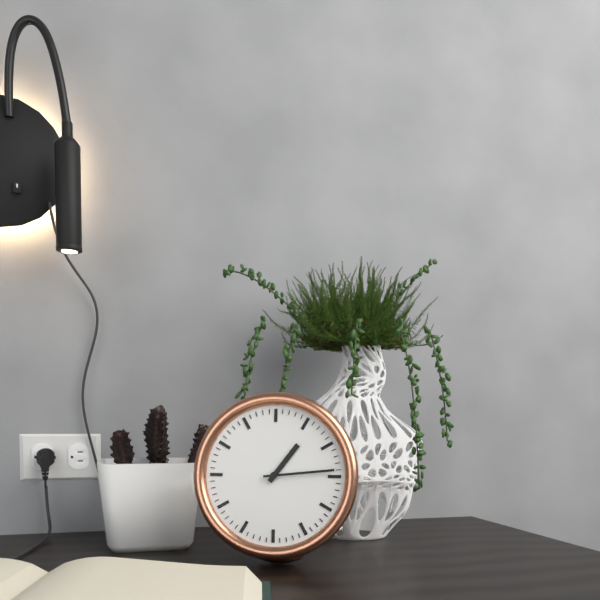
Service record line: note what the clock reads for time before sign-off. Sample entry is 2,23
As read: 1,14
